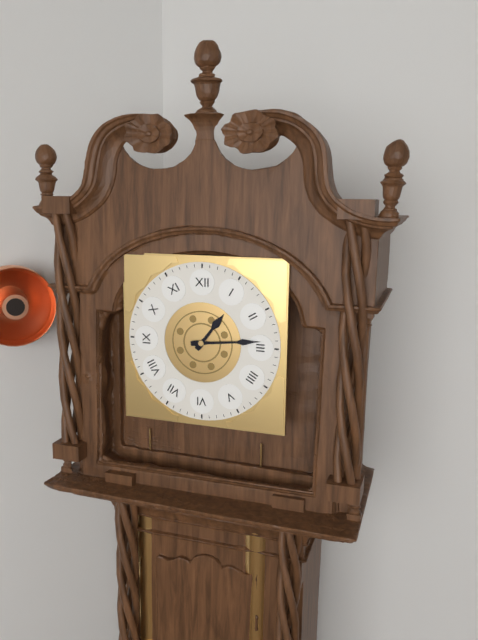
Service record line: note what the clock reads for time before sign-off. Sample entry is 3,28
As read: 1,14
